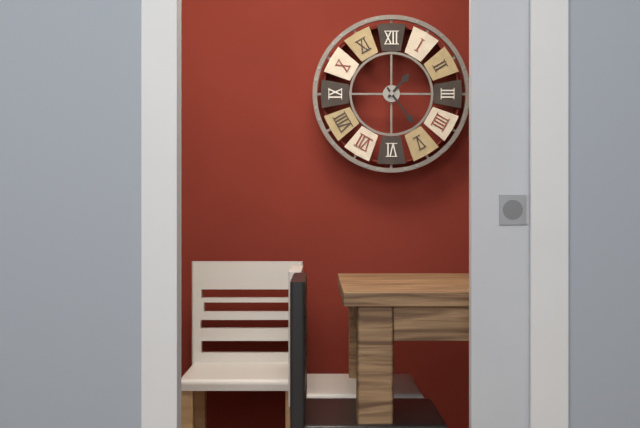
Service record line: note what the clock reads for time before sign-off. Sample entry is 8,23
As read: 1,24
